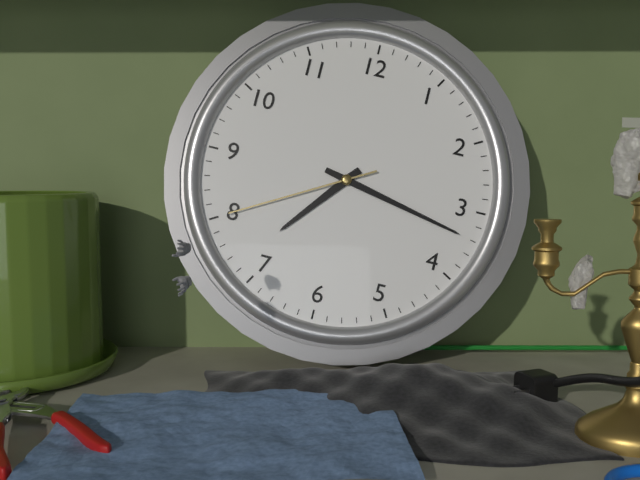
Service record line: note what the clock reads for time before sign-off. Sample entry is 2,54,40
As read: 7,17,40
